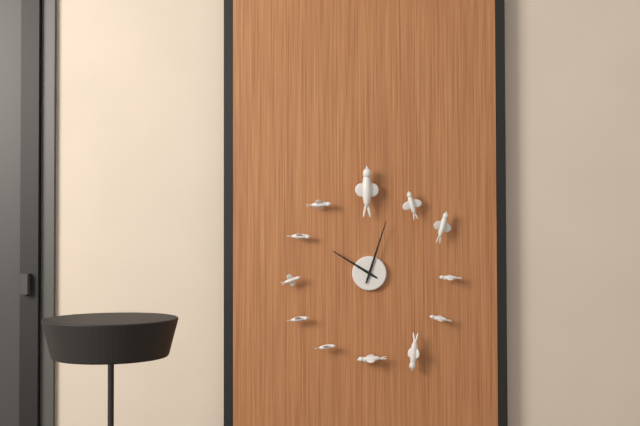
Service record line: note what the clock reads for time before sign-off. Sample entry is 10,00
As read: 10,03
